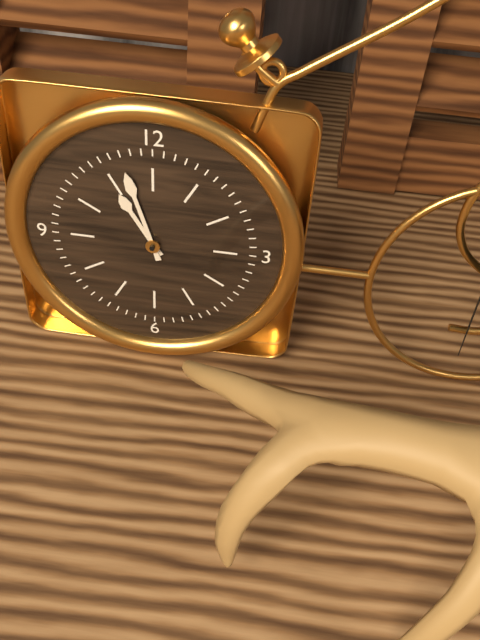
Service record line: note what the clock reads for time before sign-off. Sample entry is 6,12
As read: 10,57
